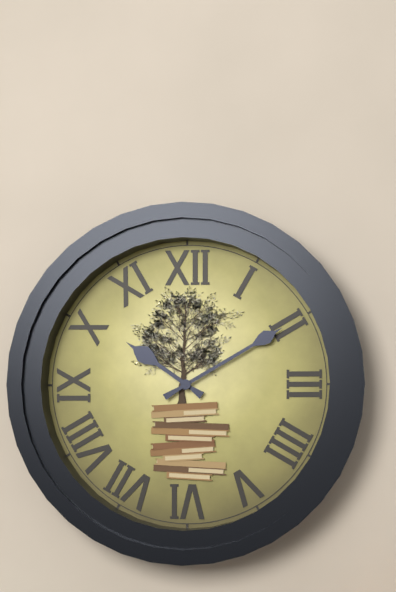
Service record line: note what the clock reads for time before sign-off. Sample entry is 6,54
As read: 10,10
